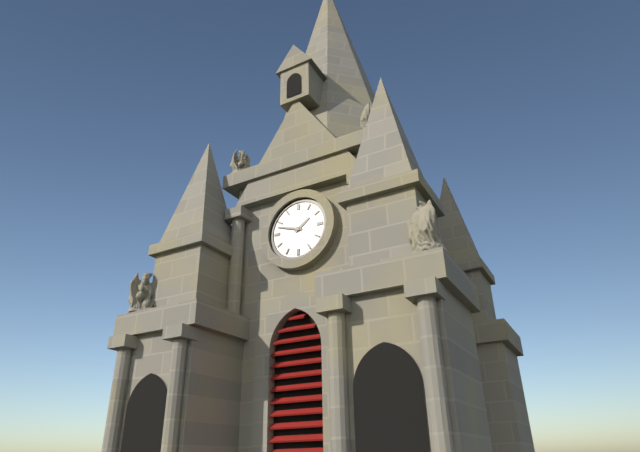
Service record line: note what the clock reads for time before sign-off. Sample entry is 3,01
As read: 1,48
